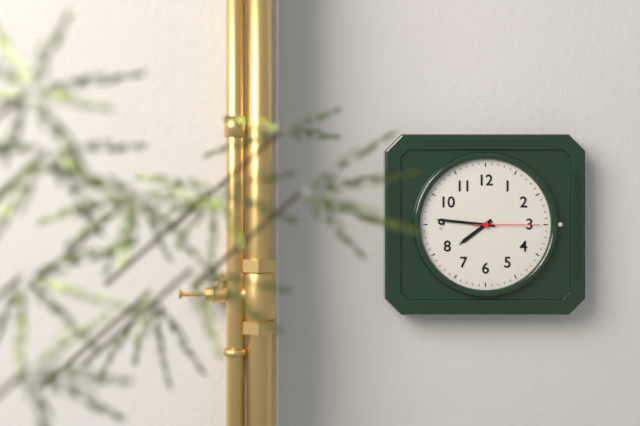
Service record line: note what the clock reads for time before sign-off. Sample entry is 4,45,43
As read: 7,46,15
